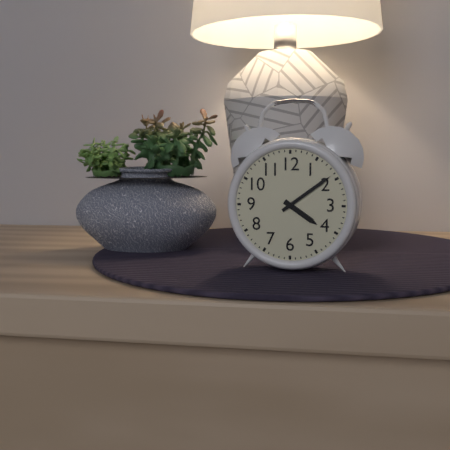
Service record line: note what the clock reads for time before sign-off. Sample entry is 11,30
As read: 4,09
